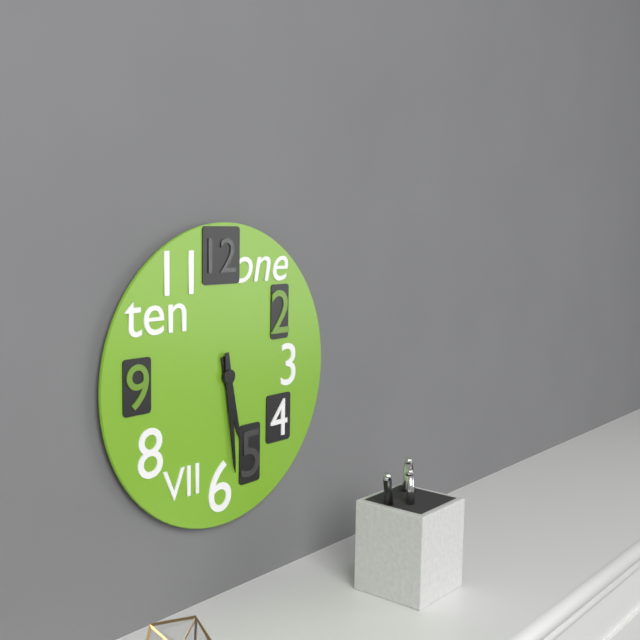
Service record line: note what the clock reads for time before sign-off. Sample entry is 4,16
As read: 5,29
